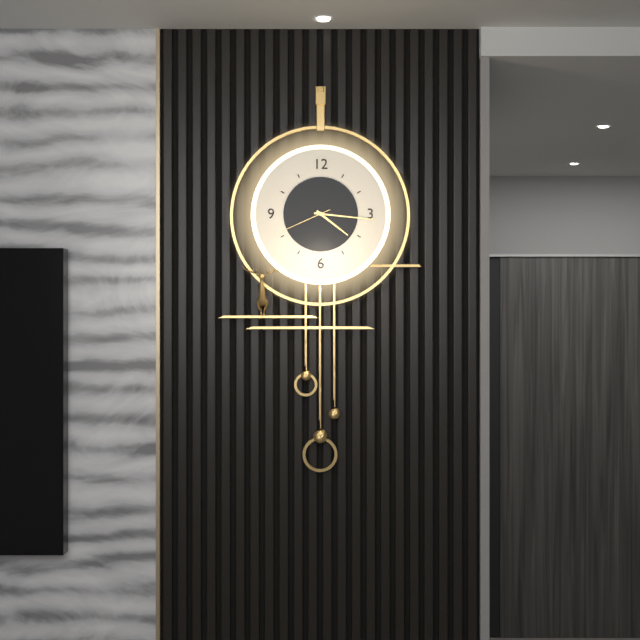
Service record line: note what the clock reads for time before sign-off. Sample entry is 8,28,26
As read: 4,16,41
